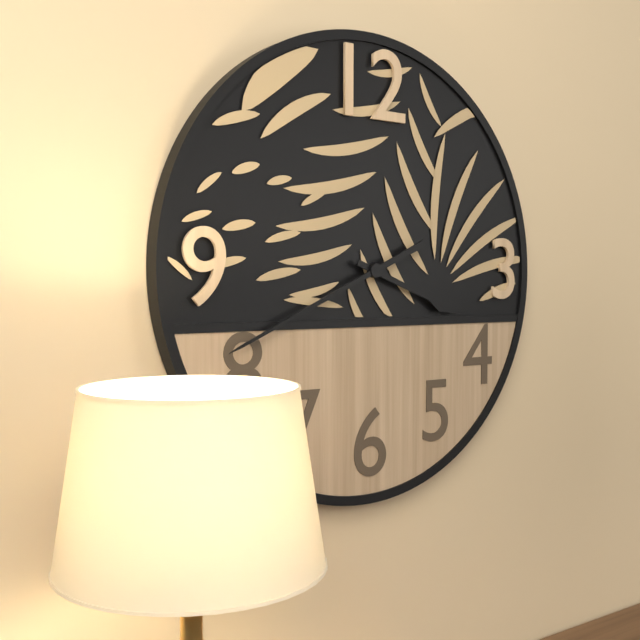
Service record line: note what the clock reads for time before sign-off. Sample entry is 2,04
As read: 3,41
